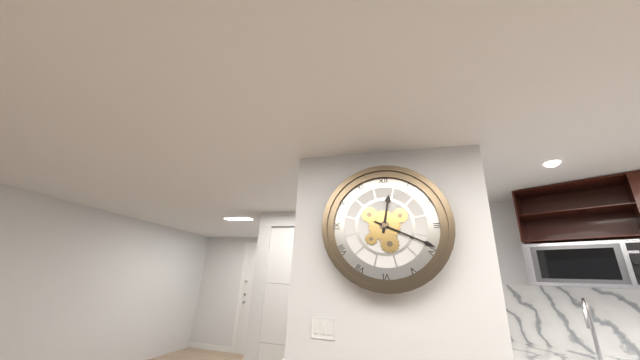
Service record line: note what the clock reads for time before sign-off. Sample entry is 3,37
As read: 12,19
